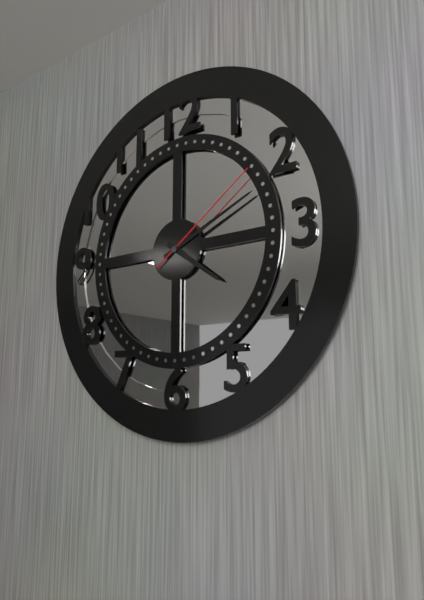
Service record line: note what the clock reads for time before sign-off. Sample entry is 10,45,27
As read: 4,11,09
